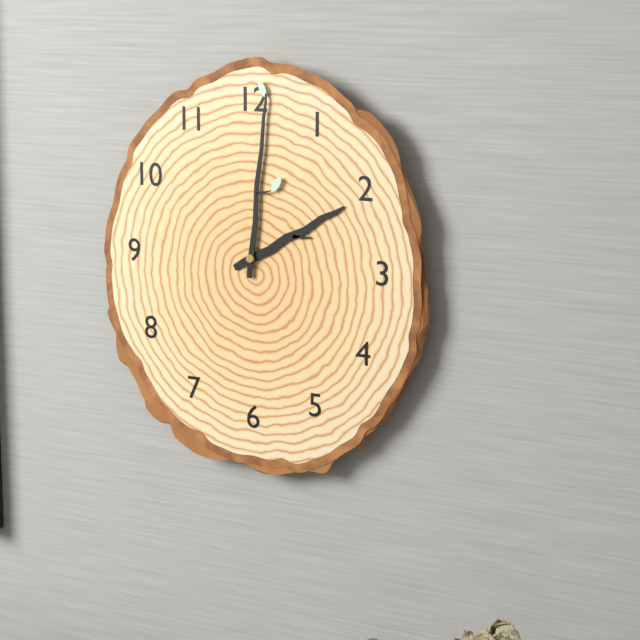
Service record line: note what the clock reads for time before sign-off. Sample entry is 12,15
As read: 2,01
